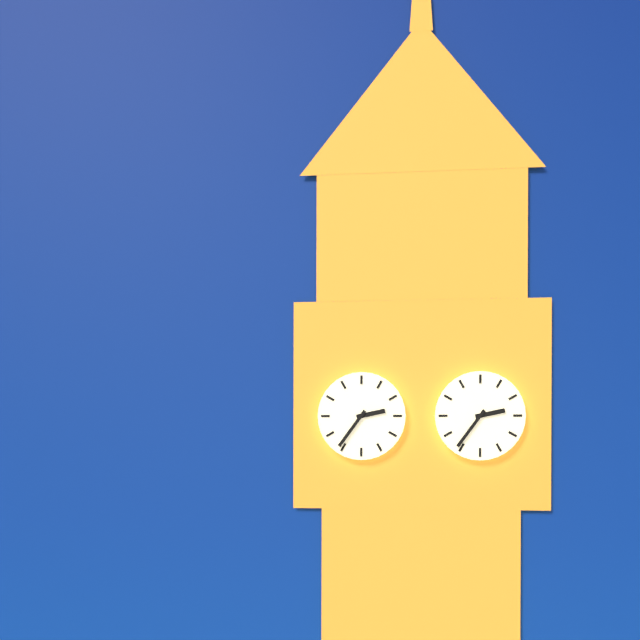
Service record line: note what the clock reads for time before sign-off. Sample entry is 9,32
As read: 2,36
